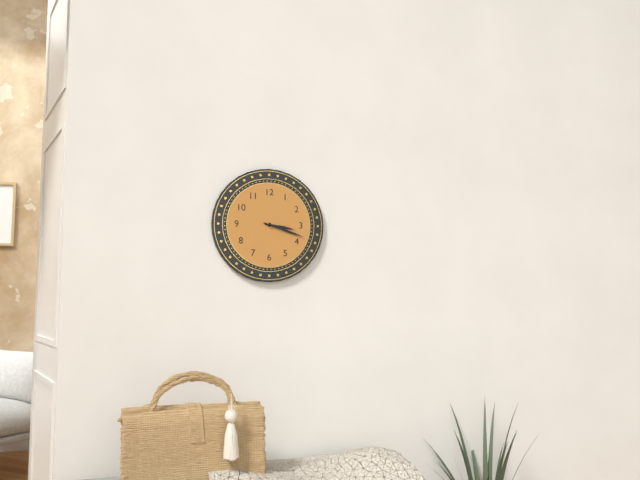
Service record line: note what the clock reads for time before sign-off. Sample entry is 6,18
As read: 3,18
